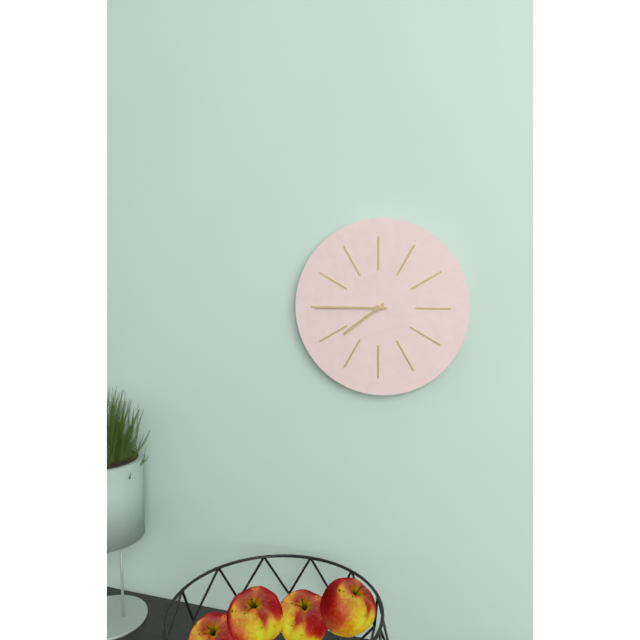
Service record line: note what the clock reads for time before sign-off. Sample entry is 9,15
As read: 7,45
